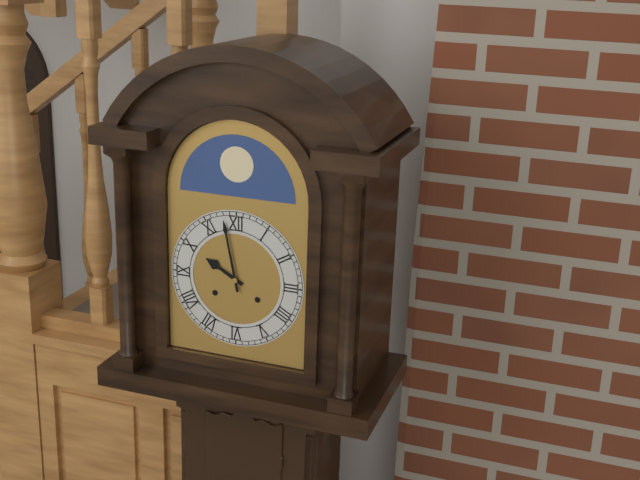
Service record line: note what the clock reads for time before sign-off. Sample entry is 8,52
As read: 9,58
